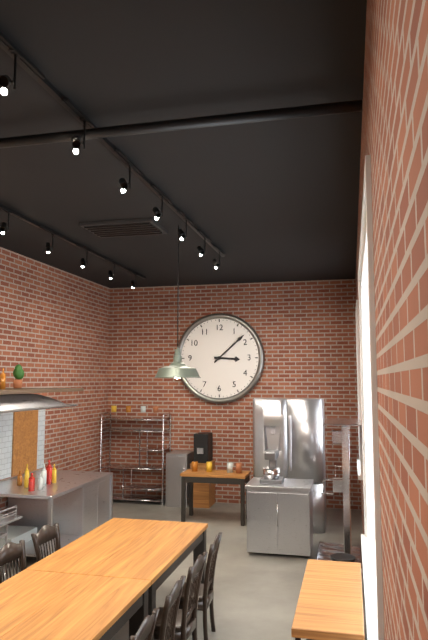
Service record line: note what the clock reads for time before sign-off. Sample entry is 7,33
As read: 3,08
